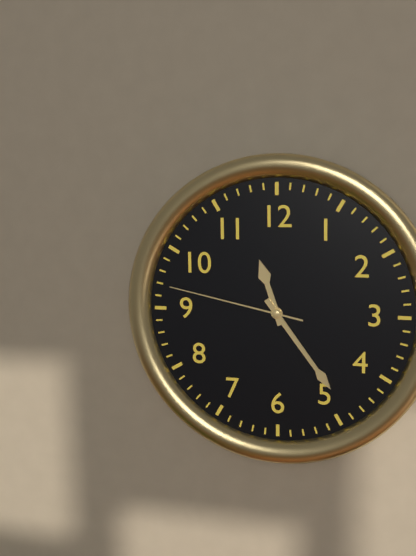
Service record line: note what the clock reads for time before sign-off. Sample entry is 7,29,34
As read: 11,24,47
